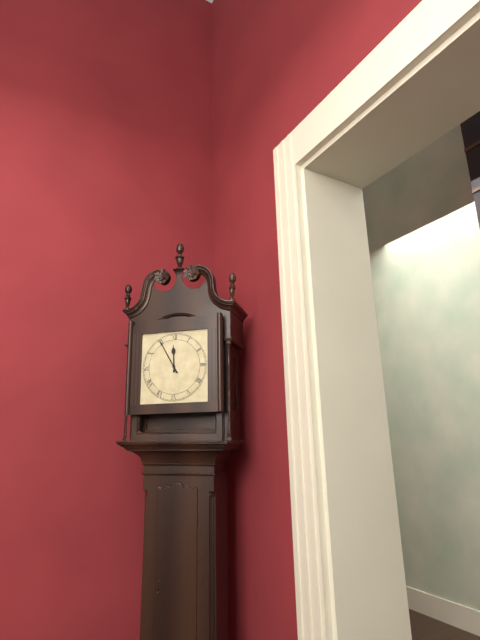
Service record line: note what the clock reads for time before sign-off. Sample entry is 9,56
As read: 11,55
